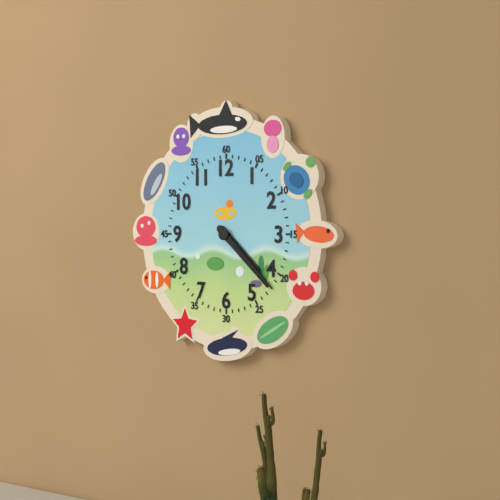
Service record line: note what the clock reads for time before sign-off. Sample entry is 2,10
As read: 4,22
